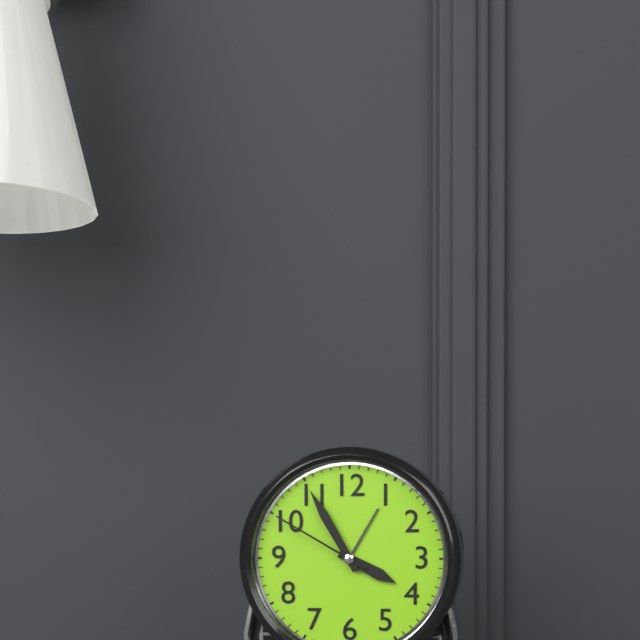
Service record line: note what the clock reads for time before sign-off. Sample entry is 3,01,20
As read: 3,55,50
